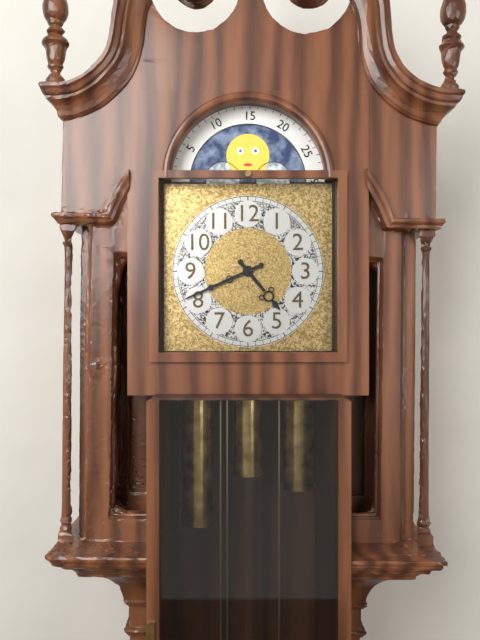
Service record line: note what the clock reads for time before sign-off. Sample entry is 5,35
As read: 4,41
